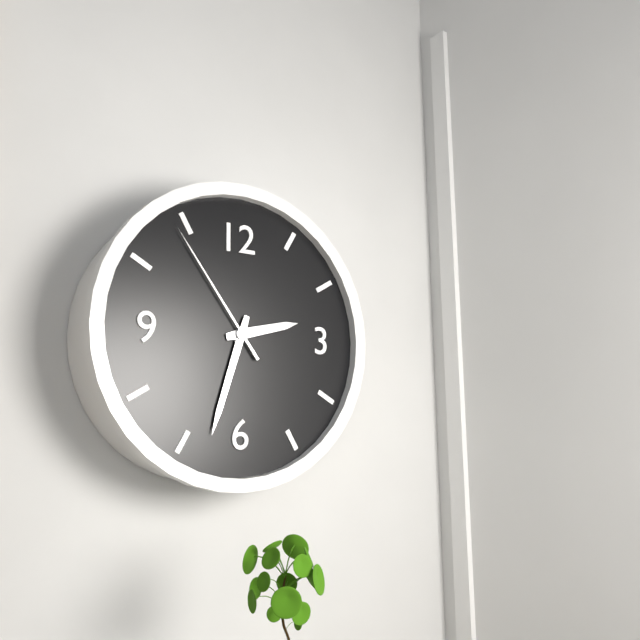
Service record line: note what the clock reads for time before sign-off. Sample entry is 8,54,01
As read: 2,33,54
